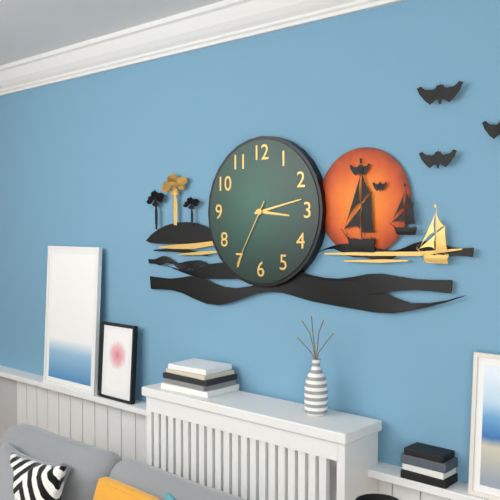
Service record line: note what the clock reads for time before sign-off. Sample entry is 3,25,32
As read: 3,13,35
